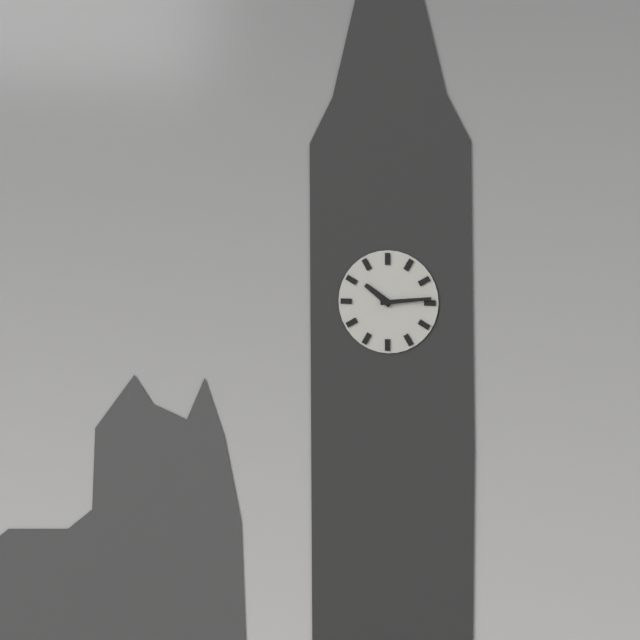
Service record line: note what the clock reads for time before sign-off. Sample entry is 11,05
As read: 10,14
